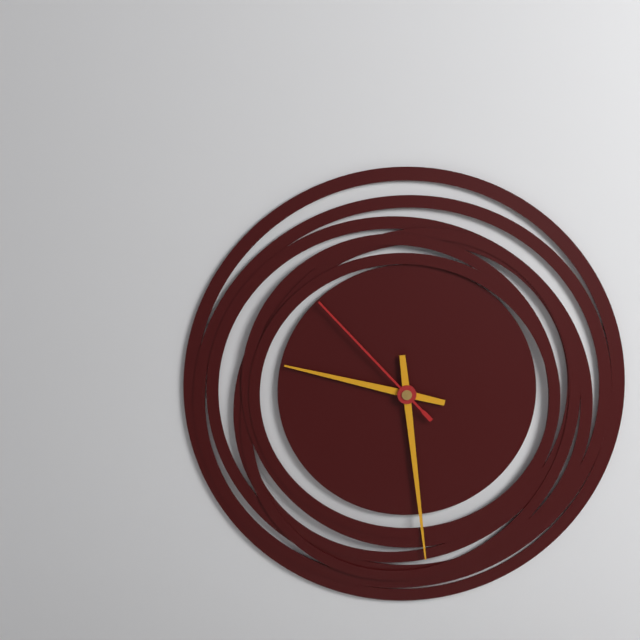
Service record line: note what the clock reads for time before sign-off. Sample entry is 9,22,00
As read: 9,29,53
